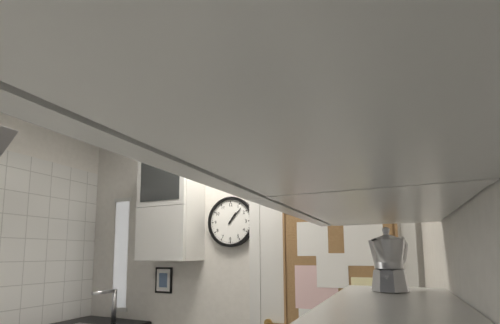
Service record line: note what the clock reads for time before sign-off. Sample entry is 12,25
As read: 1,07
